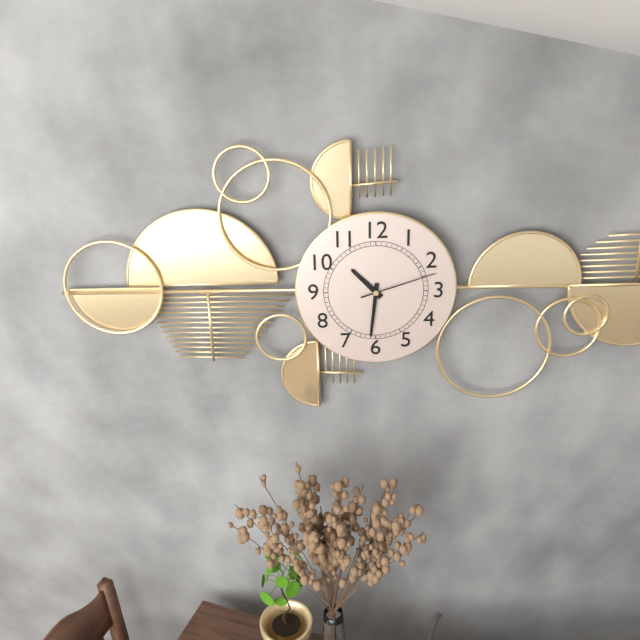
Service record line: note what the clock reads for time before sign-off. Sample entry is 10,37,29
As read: 10,31,12
